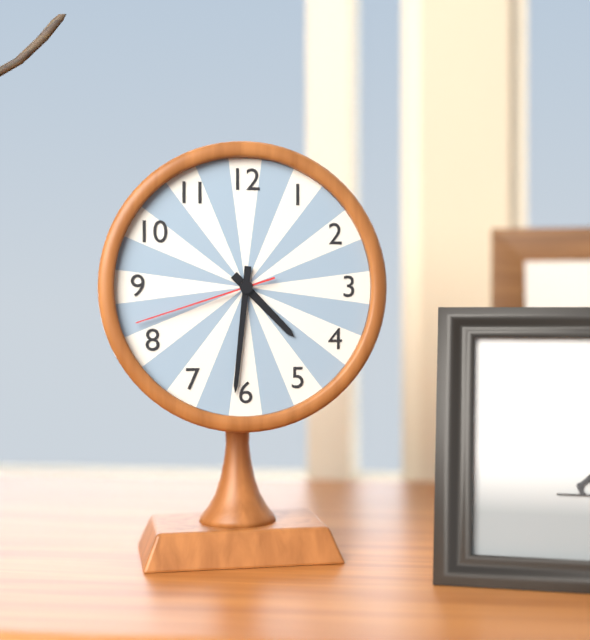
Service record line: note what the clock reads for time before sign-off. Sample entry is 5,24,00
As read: 4,31,42
